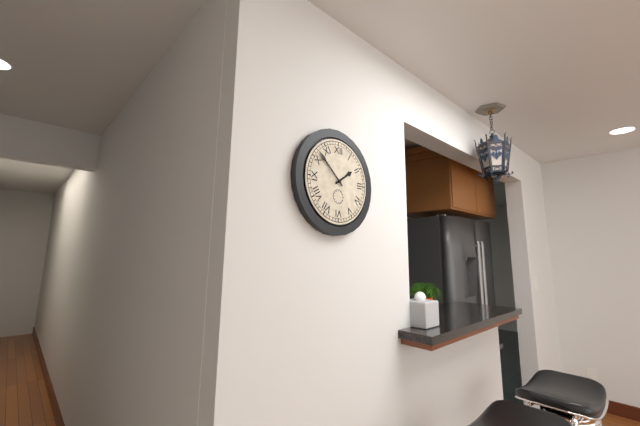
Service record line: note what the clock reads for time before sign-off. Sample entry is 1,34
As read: 1,52
